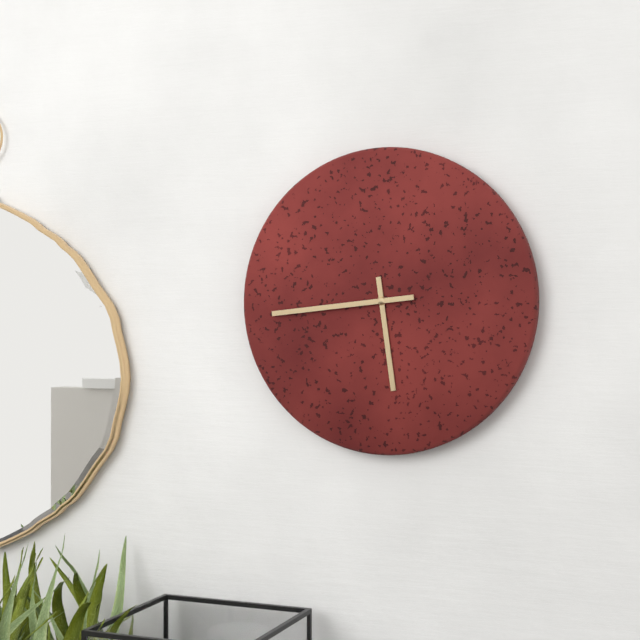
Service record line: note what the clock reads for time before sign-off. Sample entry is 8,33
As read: 5,44
